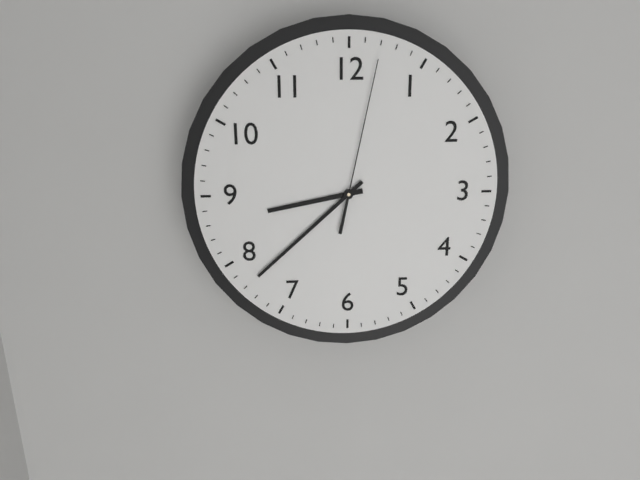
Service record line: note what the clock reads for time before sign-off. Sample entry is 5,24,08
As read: 8,38,02
